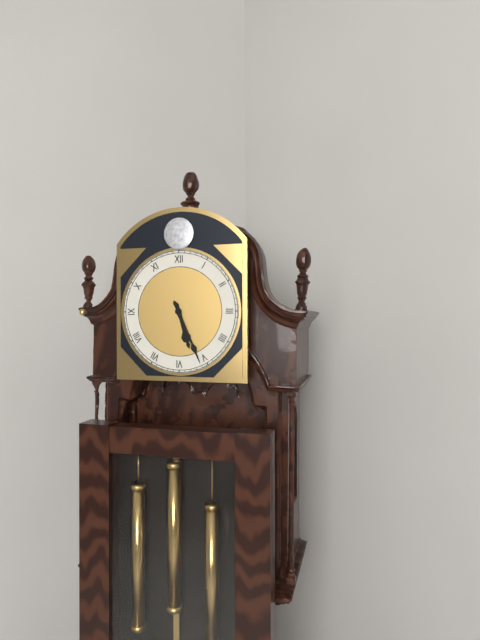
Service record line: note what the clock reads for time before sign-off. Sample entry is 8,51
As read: 5,26
